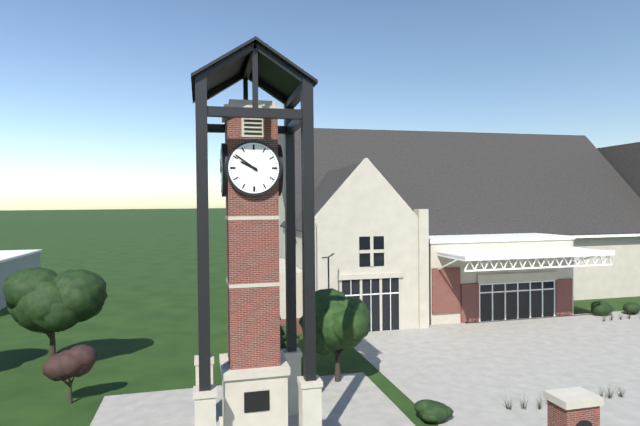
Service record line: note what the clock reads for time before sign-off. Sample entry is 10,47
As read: 9,51
